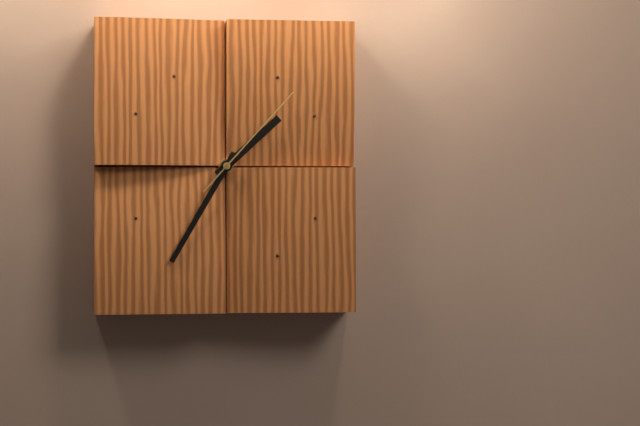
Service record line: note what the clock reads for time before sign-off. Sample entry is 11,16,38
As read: 1,35,07
